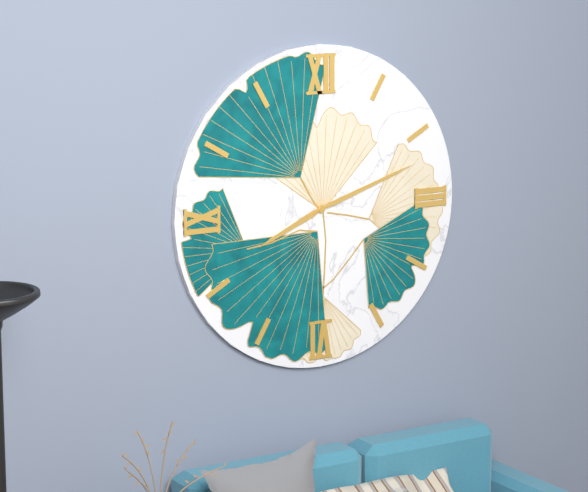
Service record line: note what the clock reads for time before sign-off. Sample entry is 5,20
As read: 8,12
